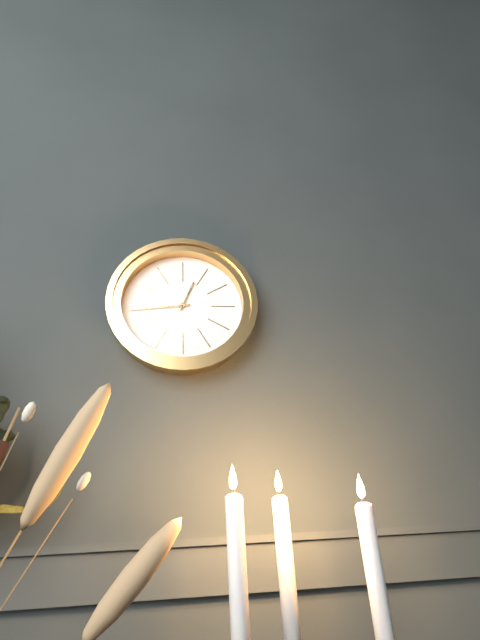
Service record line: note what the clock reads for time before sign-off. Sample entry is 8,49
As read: 12,44
